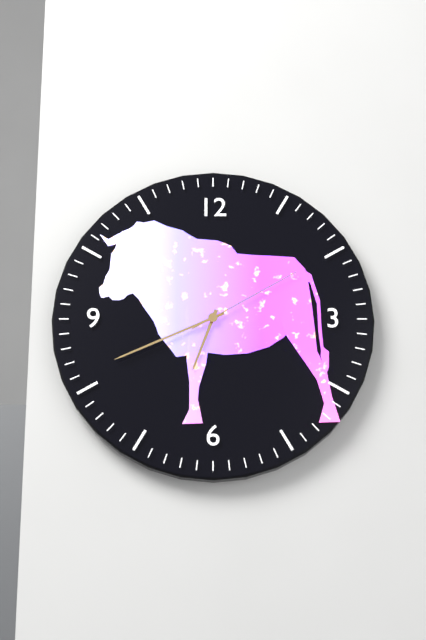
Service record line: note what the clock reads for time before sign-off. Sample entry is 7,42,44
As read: 6,41,10
